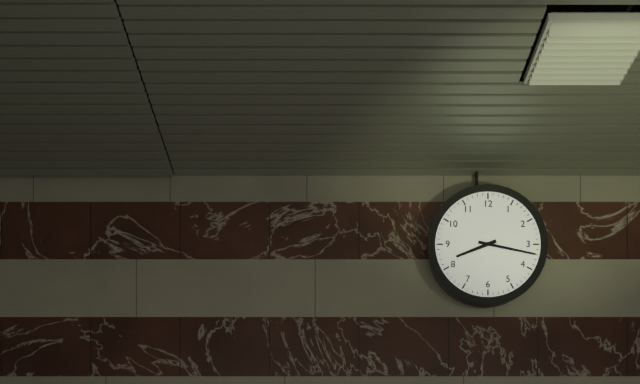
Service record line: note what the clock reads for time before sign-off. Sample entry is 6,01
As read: 8,17
